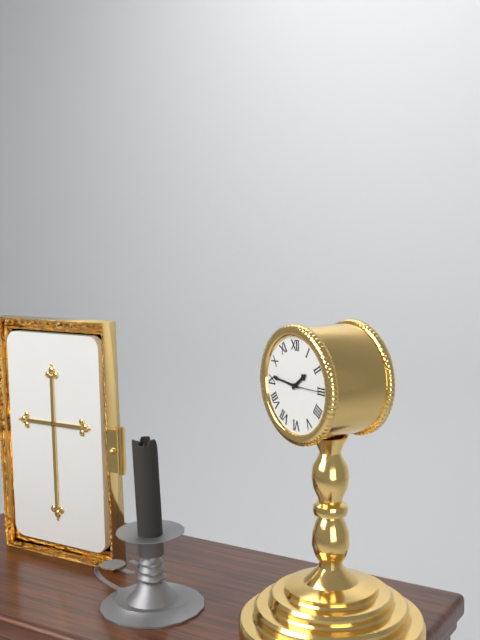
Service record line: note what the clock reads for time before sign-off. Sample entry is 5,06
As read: 1,46
